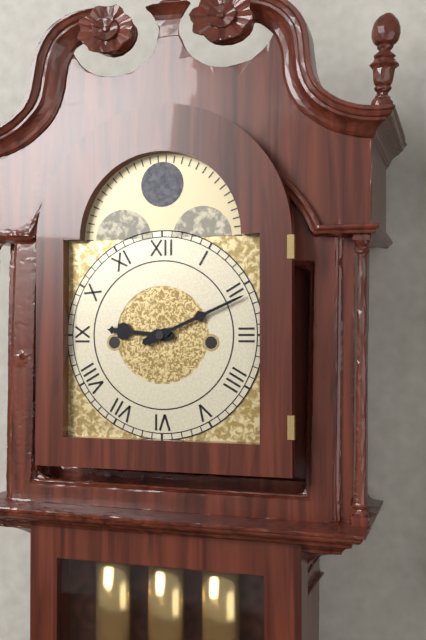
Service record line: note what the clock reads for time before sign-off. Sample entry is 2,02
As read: 9,11
